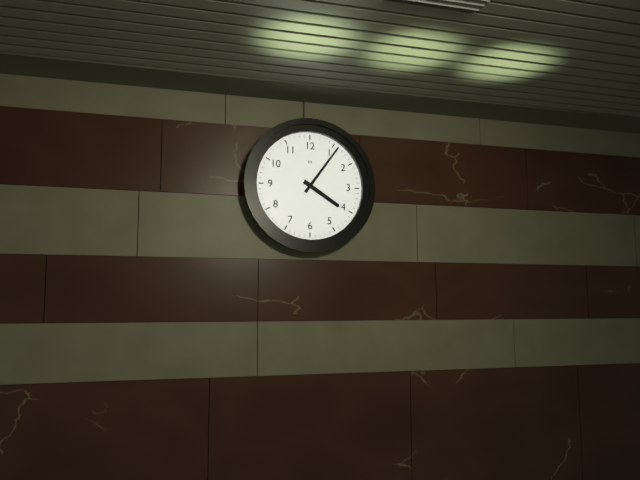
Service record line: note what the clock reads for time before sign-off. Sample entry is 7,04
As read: 4,06
